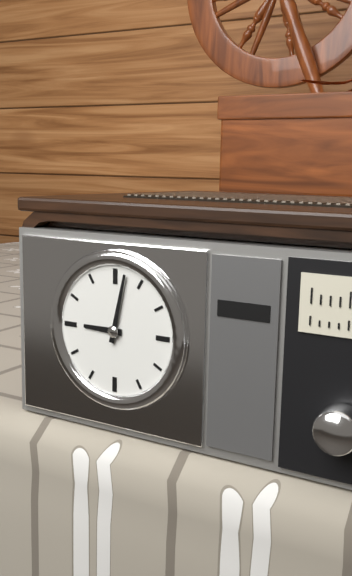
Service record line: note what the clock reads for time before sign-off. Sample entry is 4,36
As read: 9,02
